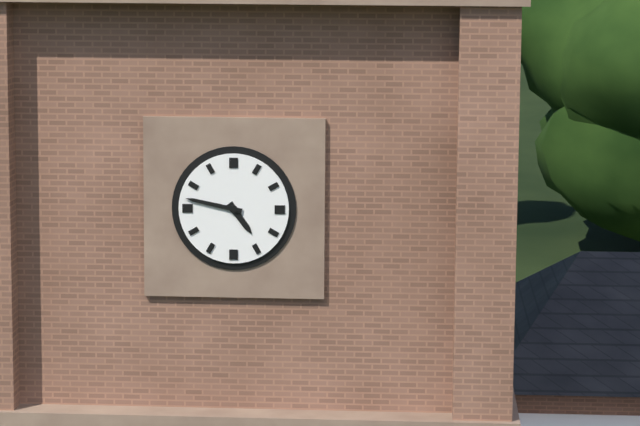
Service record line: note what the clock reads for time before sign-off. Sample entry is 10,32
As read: 4,47
